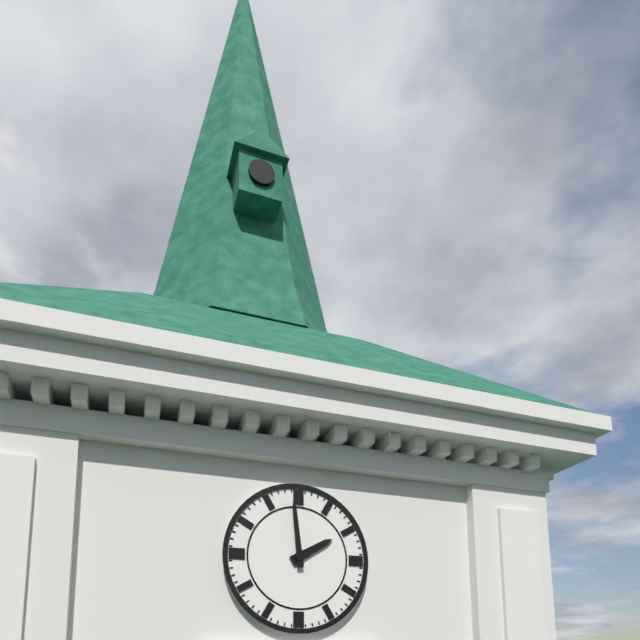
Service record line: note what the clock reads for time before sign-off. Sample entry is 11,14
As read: 1,59
